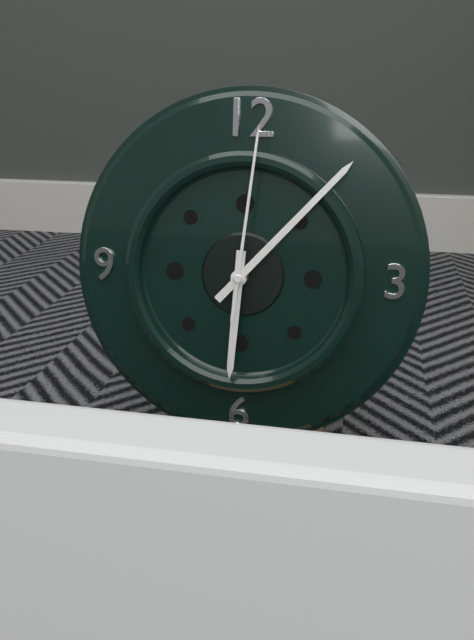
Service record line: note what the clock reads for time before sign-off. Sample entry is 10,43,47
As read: 6,07,01
